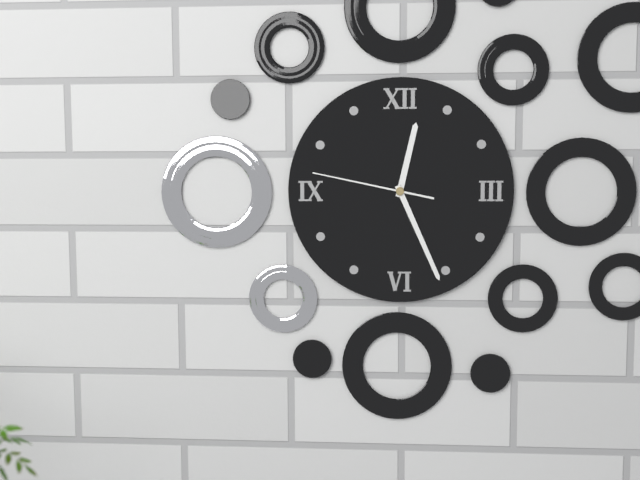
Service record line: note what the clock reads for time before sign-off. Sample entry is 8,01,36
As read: 12,26,47
